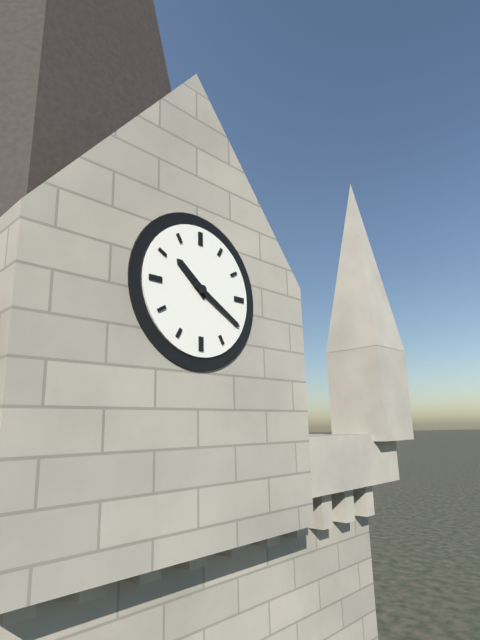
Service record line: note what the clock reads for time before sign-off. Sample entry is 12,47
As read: 10,20
